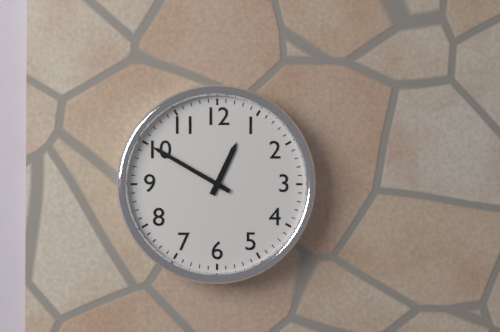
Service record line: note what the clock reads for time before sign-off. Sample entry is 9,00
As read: 12,50
